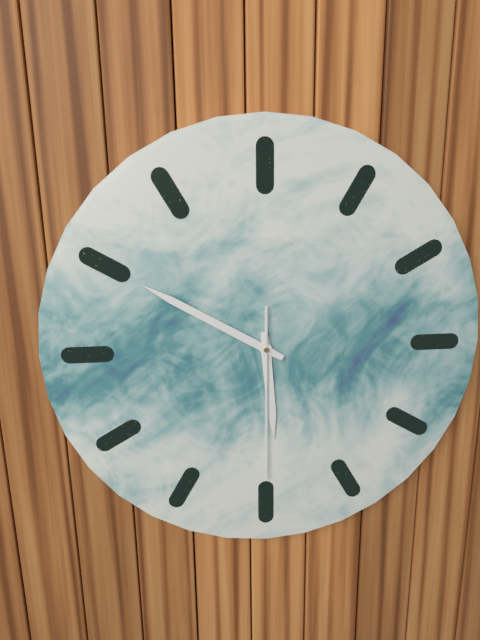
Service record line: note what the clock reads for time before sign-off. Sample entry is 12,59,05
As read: 5,50,30
